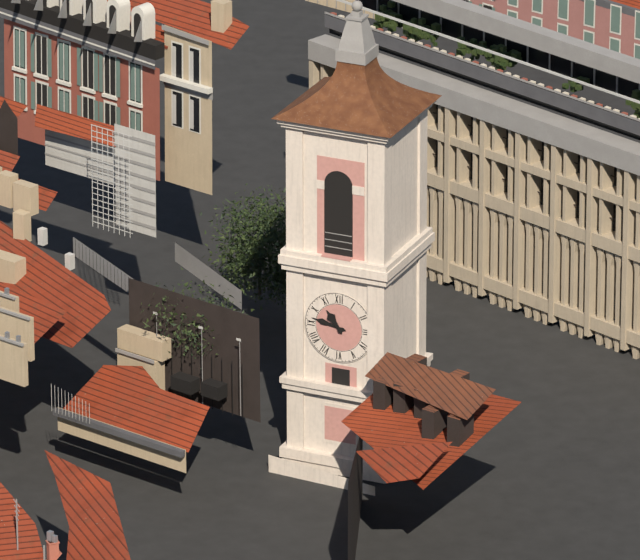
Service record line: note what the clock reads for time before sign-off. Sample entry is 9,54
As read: 10,47
